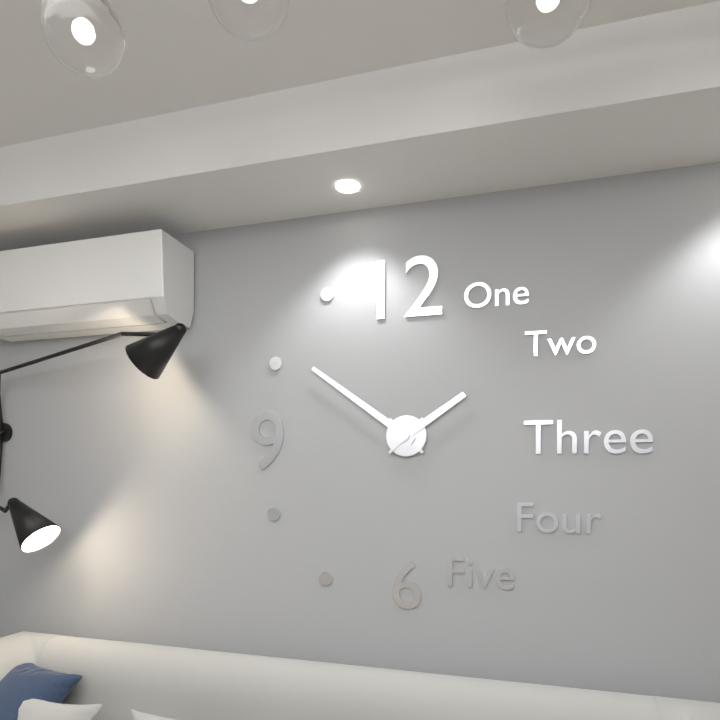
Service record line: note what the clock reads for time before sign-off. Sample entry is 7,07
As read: 1,51
